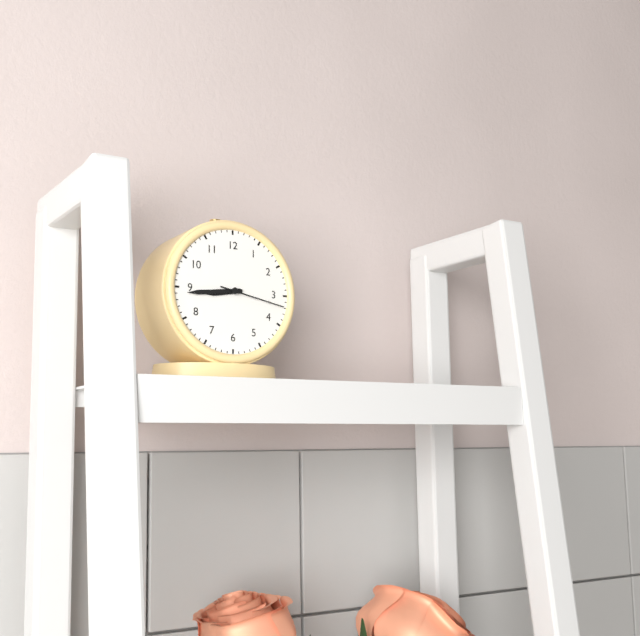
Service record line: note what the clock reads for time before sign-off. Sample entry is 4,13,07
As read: 8,44,17
